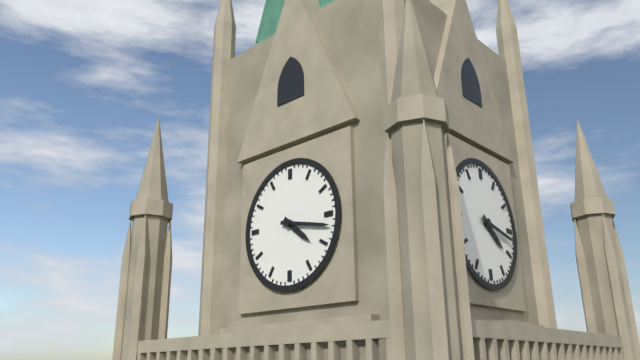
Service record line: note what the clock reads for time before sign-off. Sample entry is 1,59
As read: 4,17
